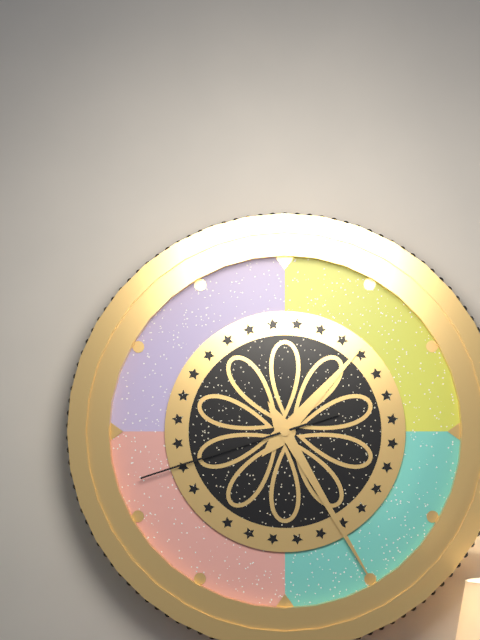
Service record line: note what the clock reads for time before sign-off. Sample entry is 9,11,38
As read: 1,25,42
